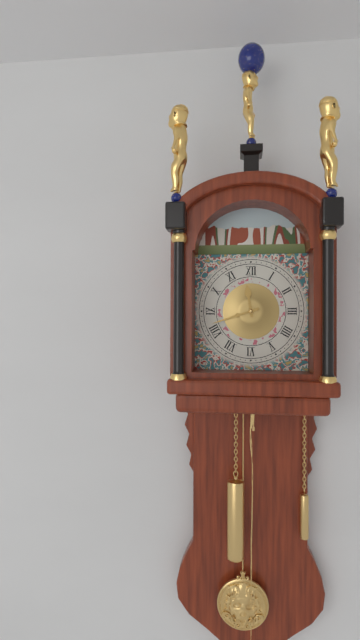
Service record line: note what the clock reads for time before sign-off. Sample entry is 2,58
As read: 11,42
